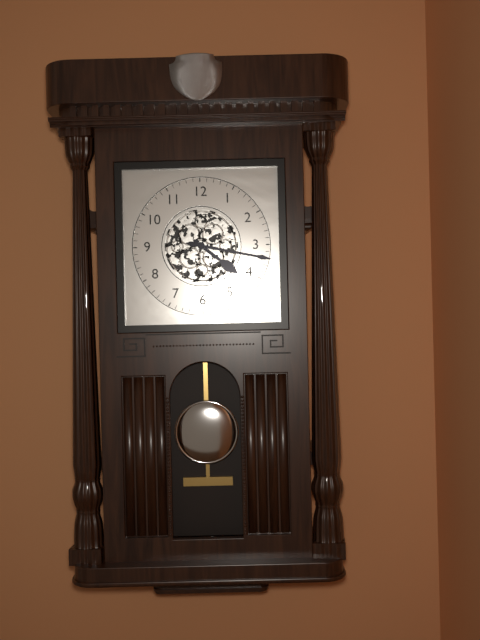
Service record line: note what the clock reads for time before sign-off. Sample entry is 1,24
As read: 4,17
